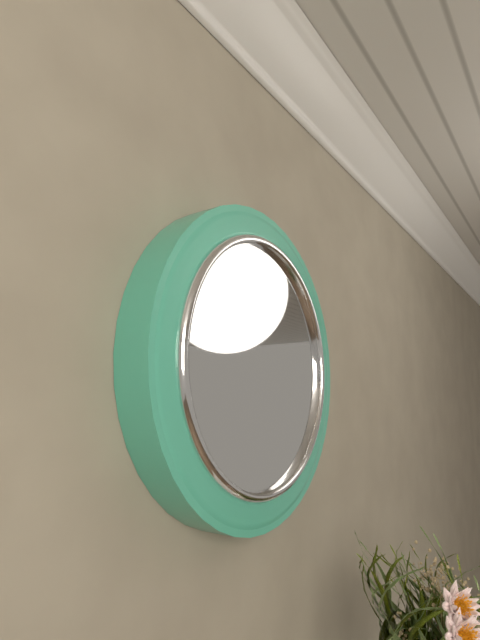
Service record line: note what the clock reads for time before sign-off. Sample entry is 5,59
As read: 7,38
